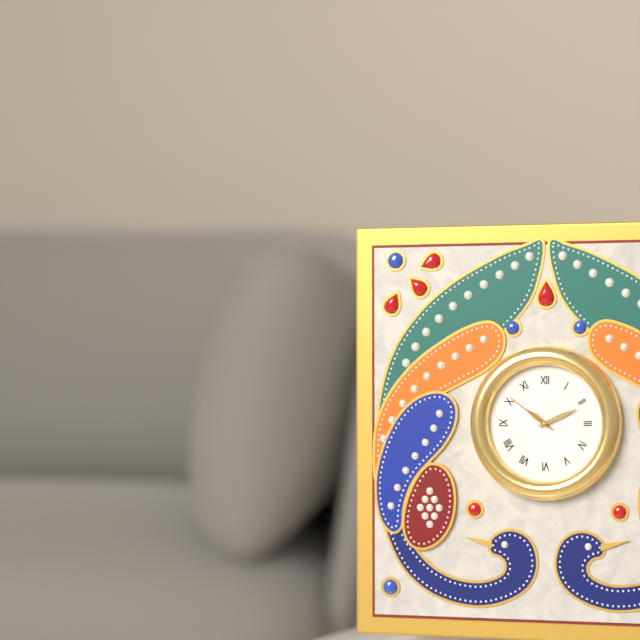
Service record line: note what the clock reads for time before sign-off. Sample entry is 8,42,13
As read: 10,11,51
